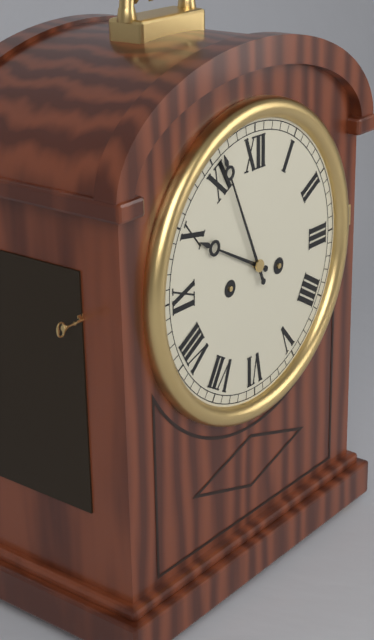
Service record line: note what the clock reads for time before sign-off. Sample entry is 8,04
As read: 9,56
